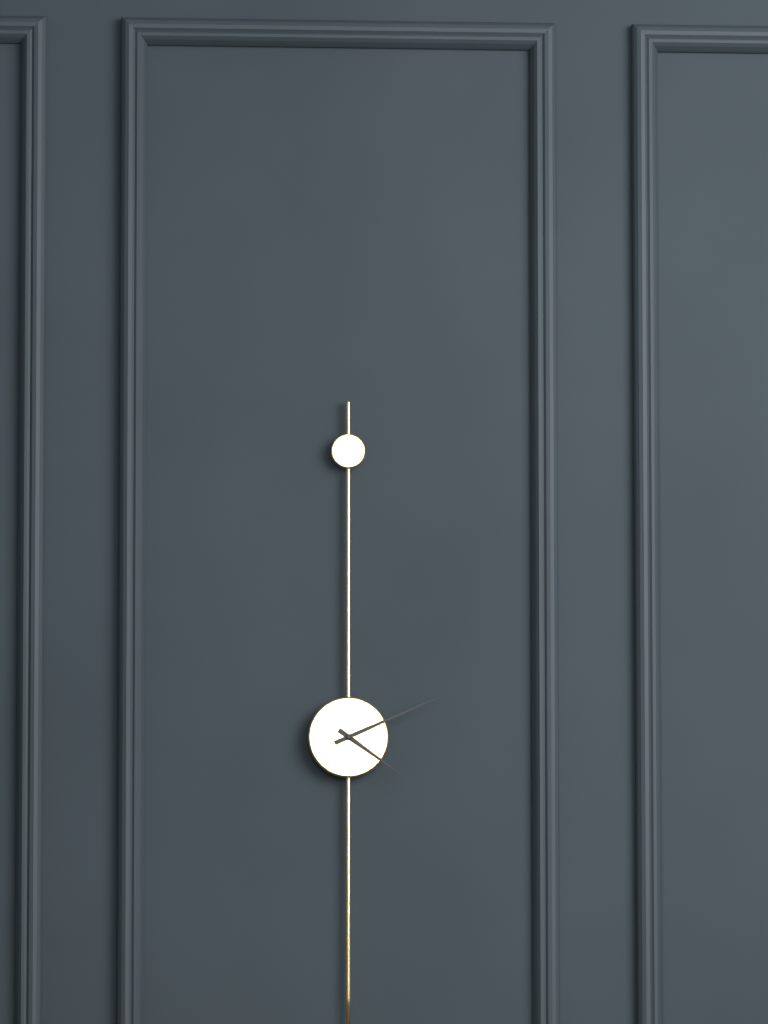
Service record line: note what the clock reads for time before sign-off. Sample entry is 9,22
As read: 4,11
